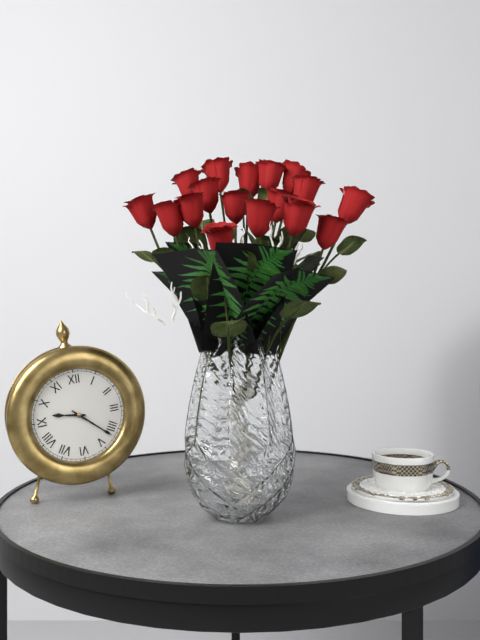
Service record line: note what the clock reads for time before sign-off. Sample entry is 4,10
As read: 9,22
